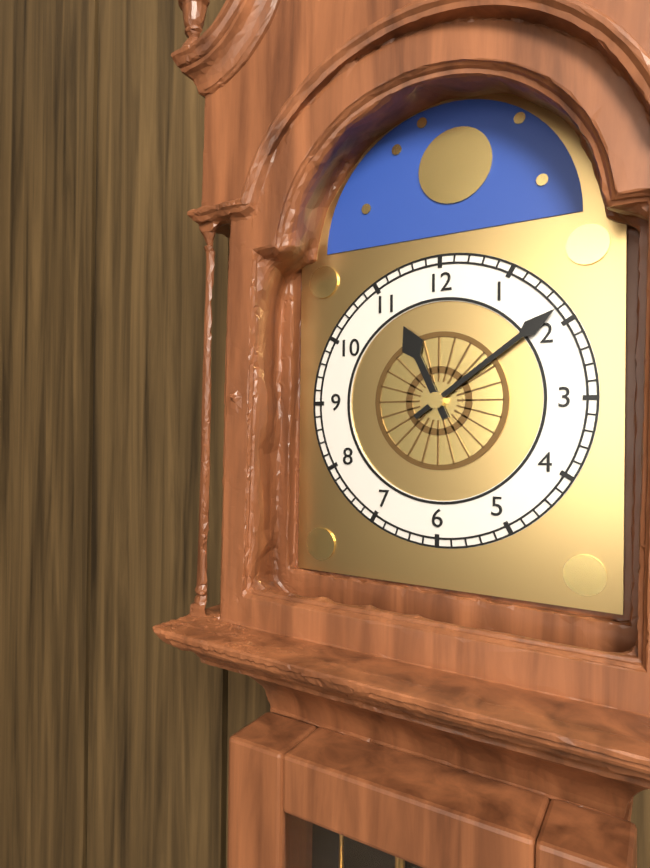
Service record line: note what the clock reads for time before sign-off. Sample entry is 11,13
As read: 11,09
